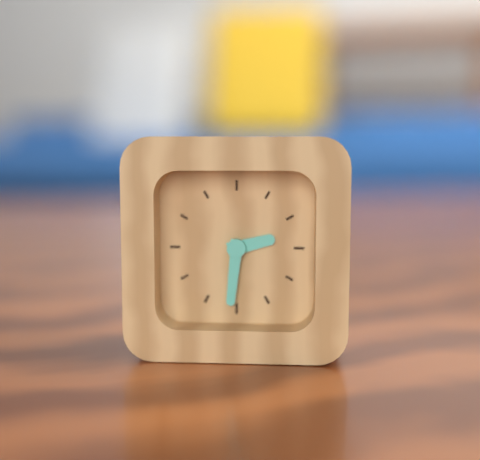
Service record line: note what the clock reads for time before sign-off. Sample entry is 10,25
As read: 2,31
